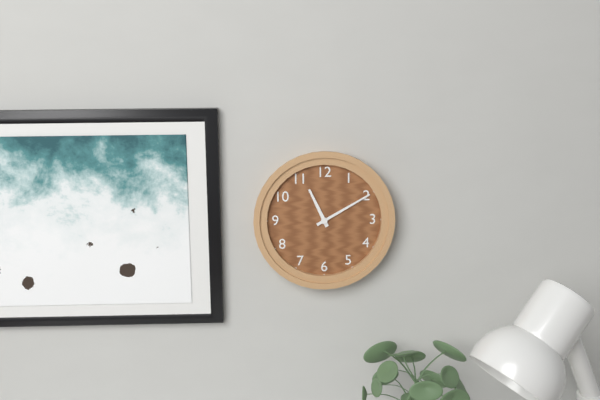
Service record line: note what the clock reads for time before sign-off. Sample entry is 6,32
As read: 11,10
